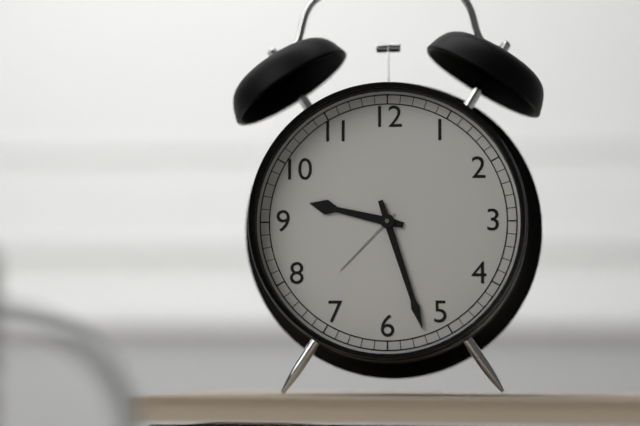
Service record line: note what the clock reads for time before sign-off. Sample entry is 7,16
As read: 9,27
